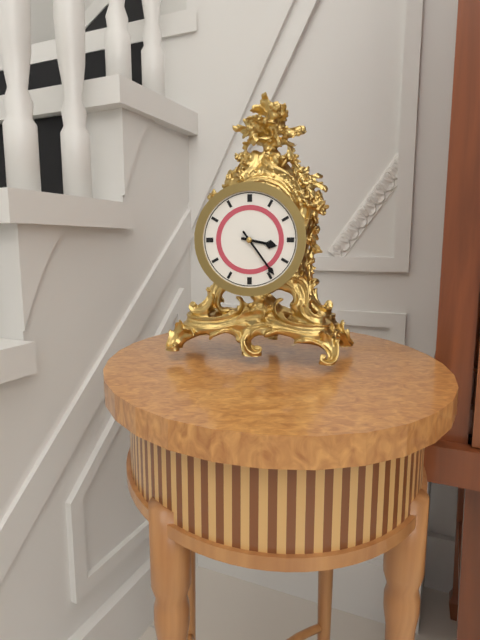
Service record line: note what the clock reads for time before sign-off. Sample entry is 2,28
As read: 3,24
